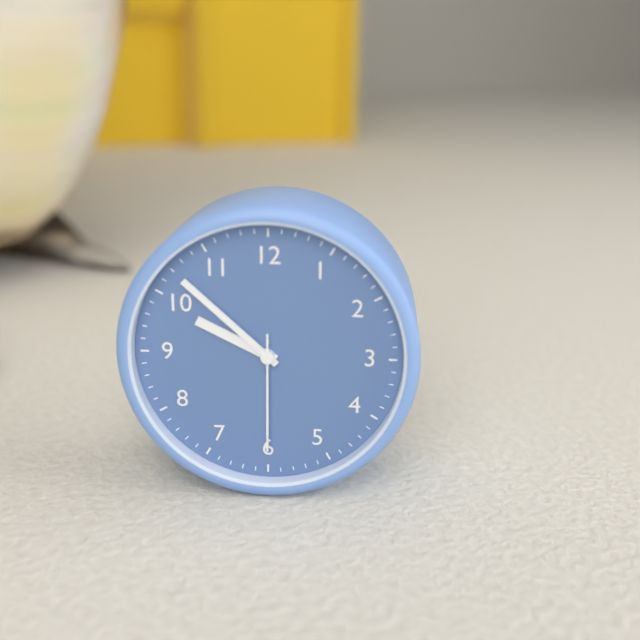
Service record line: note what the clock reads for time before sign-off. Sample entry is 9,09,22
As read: 9,52,30
